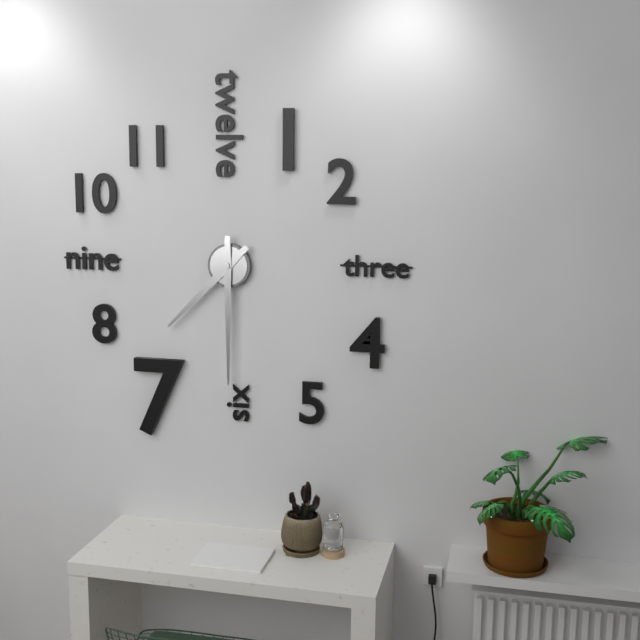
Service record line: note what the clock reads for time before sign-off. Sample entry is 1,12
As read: 7,30
